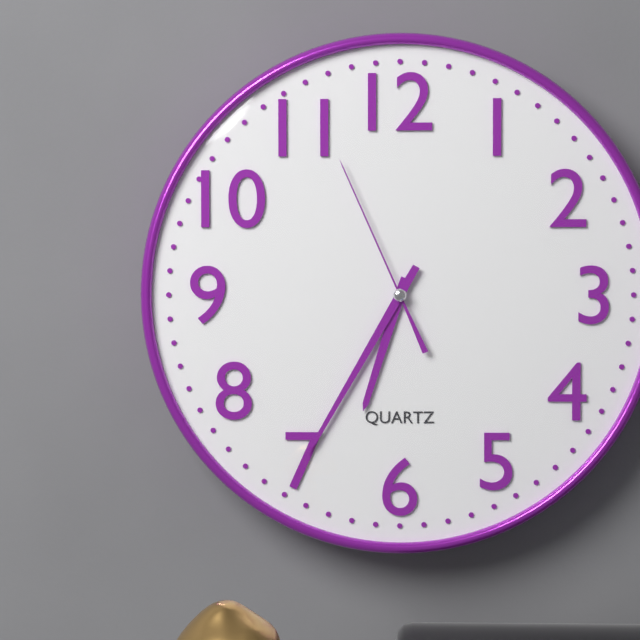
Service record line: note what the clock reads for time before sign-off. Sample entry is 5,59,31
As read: 6,35,56
